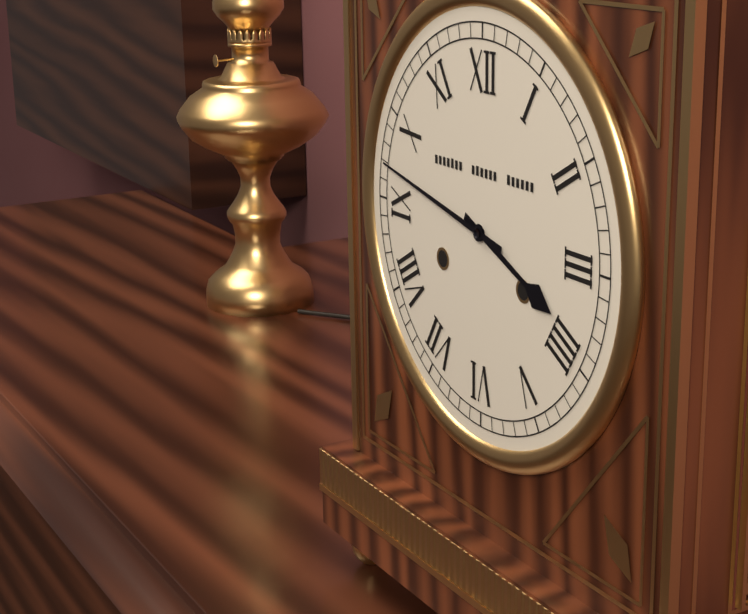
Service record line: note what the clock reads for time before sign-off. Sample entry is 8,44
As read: 3,47
